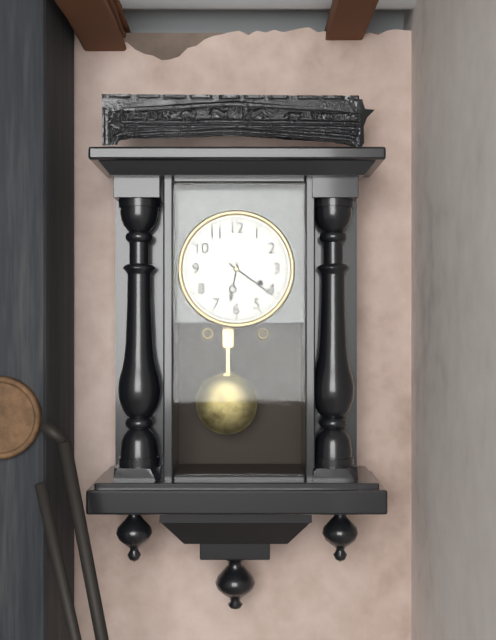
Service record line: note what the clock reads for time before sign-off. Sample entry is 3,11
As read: 6,21
